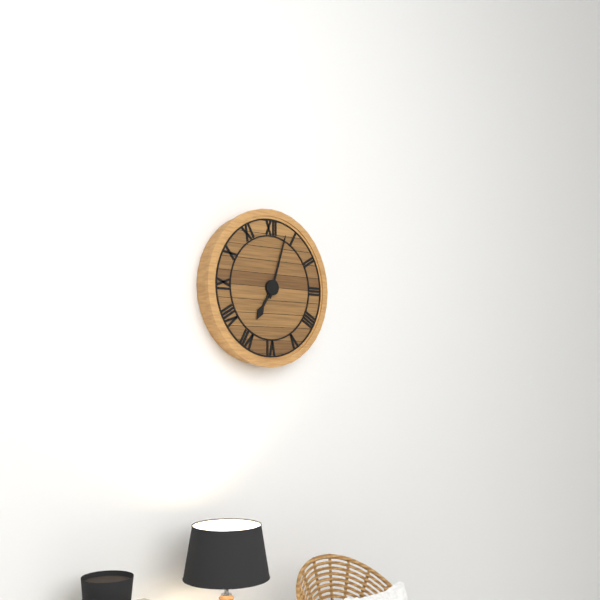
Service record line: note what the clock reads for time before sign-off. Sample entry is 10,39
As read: 7,03
